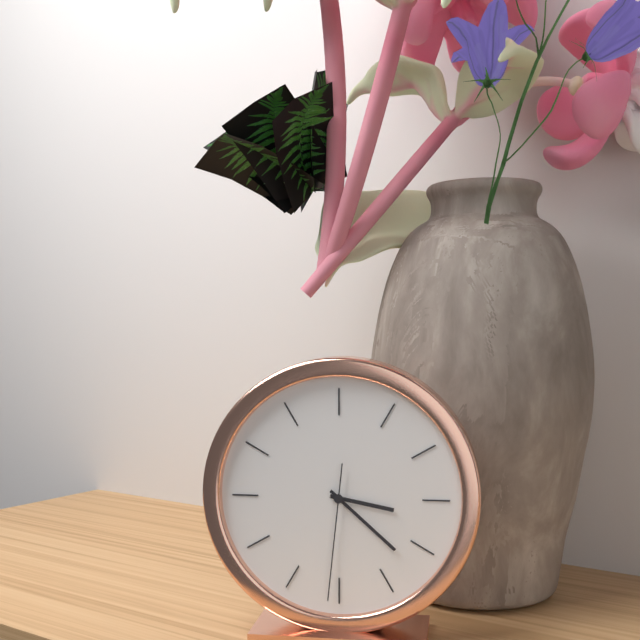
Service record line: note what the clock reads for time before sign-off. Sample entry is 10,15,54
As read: 3,22,31
